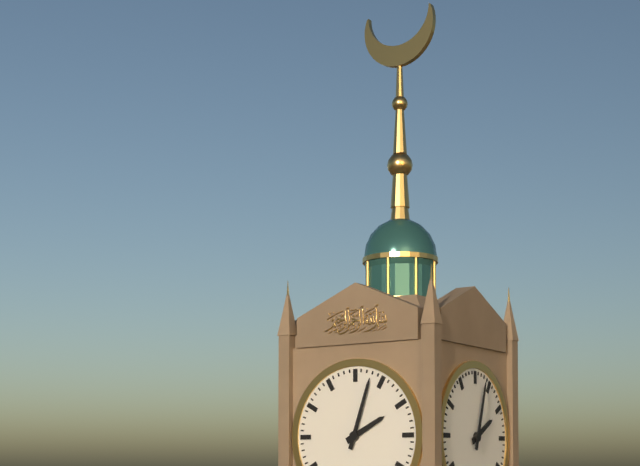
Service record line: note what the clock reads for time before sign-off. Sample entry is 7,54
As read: 2,03
